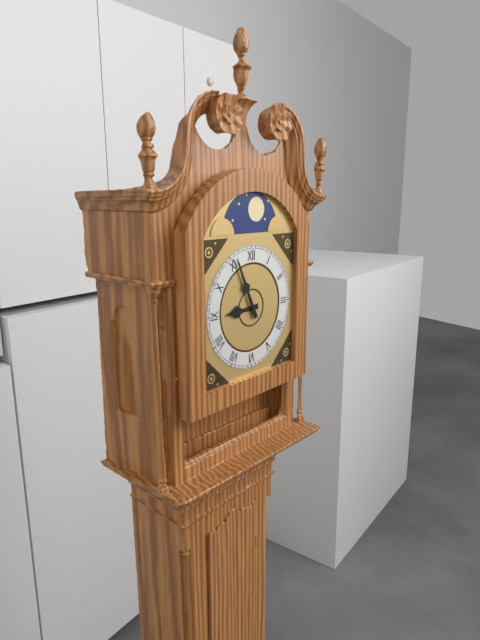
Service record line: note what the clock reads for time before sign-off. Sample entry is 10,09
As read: 8,56
